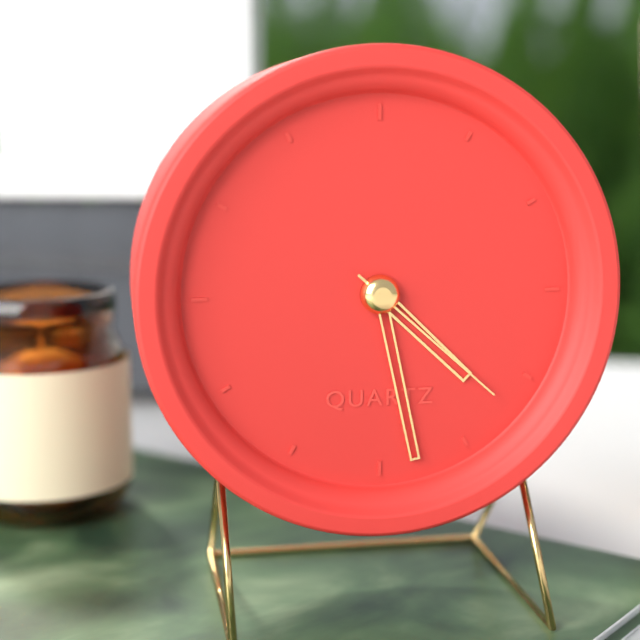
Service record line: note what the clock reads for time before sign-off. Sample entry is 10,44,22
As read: 4,28,22
